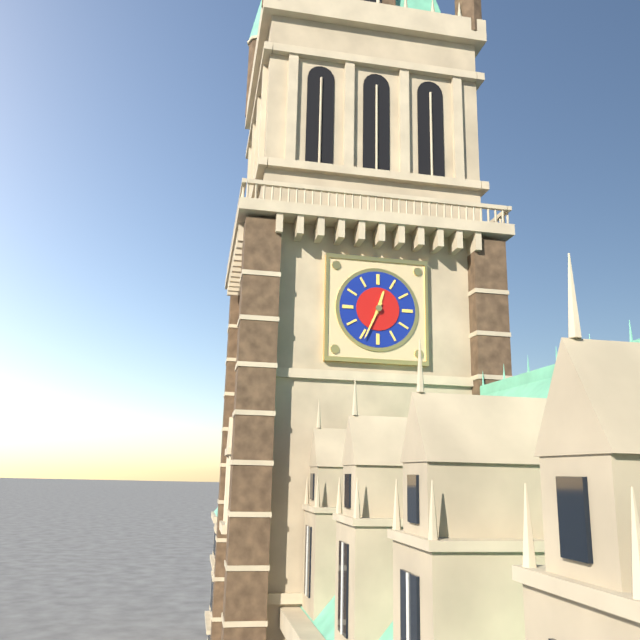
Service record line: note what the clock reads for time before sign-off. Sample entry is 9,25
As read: 12,34
